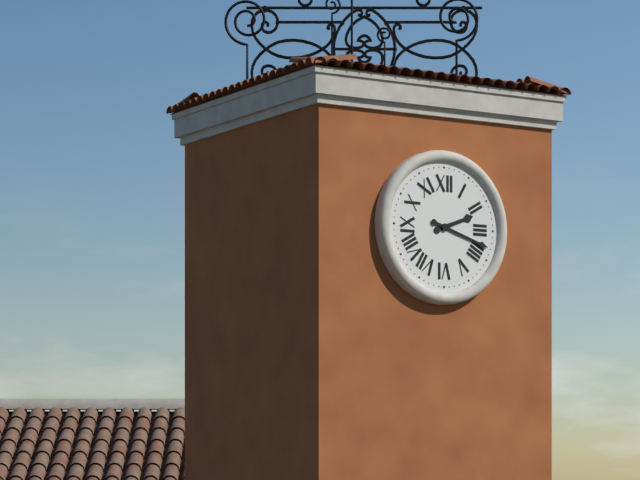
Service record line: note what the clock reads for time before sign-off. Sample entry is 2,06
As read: 2,18
